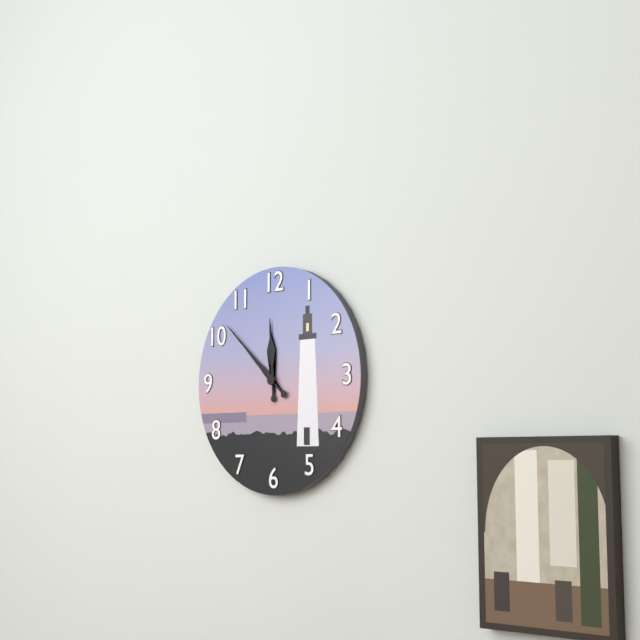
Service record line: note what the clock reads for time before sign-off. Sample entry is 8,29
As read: 11,52
